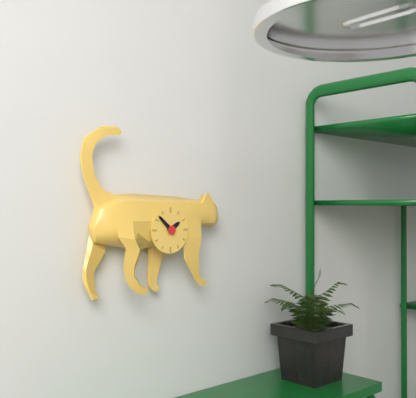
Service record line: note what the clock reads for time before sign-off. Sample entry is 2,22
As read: 1,52
